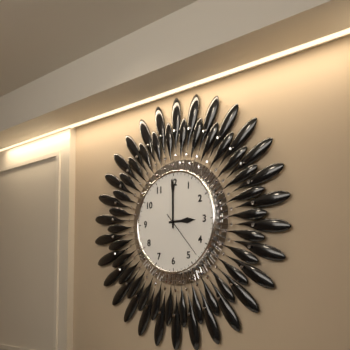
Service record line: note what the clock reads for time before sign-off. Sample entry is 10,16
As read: 3,00
